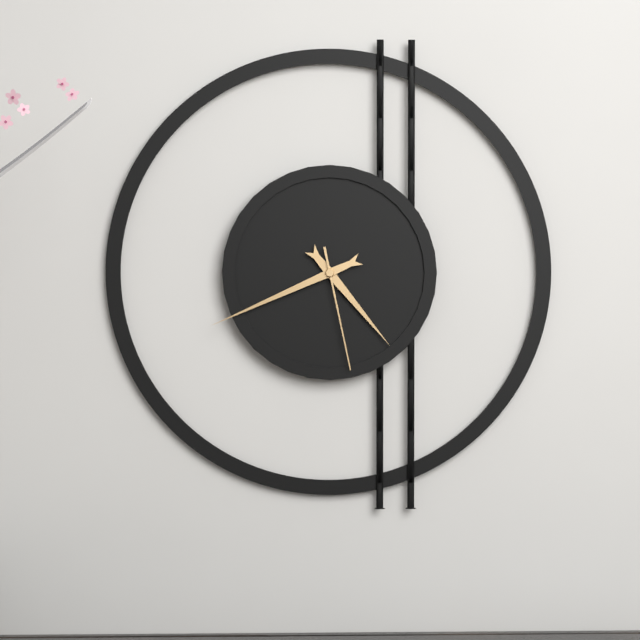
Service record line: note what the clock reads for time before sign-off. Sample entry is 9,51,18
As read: 4,41,28
